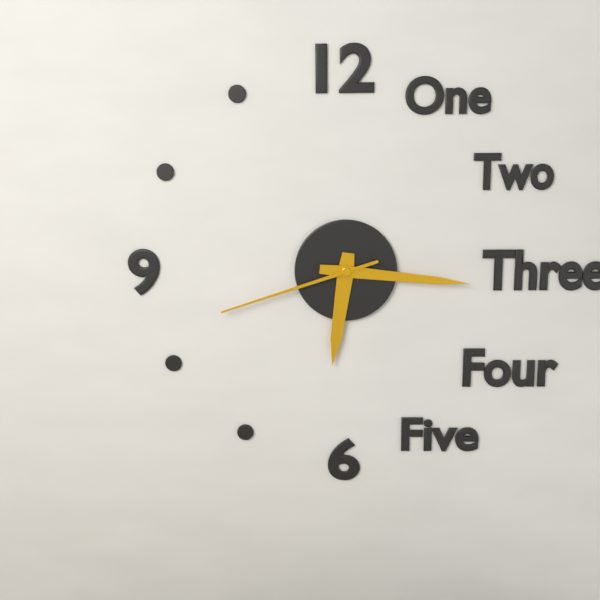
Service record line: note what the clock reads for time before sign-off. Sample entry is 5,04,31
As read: 6,16,42
